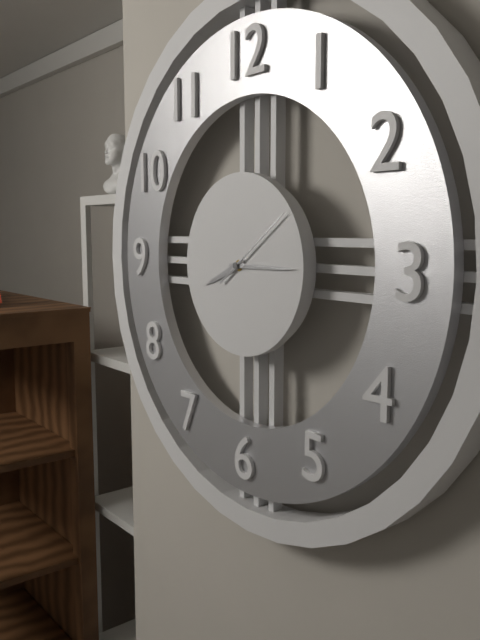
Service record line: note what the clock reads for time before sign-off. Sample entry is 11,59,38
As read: 8,15,09
